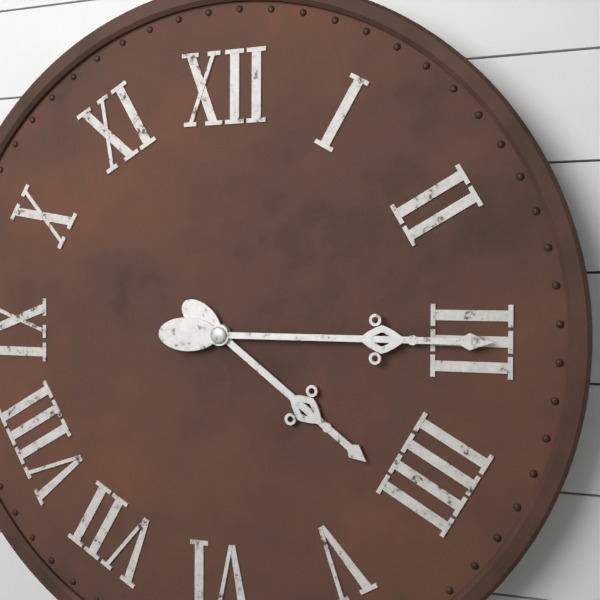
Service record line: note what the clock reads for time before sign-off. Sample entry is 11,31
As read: 4,15
